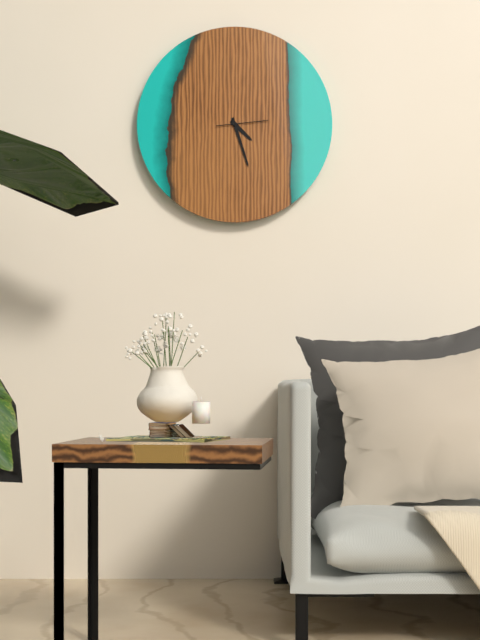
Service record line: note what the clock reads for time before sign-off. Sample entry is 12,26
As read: 4,27
